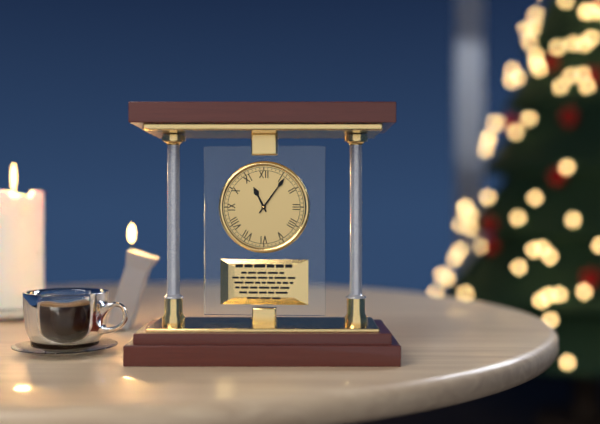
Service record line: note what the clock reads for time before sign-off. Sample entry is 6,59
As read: 11,06
